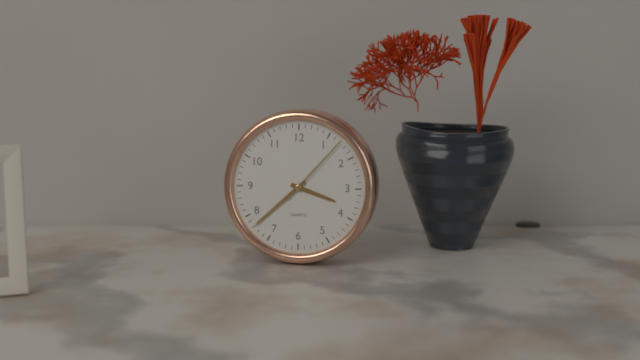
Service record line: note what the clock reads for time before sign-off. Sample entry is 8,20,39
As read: 3,38,07
